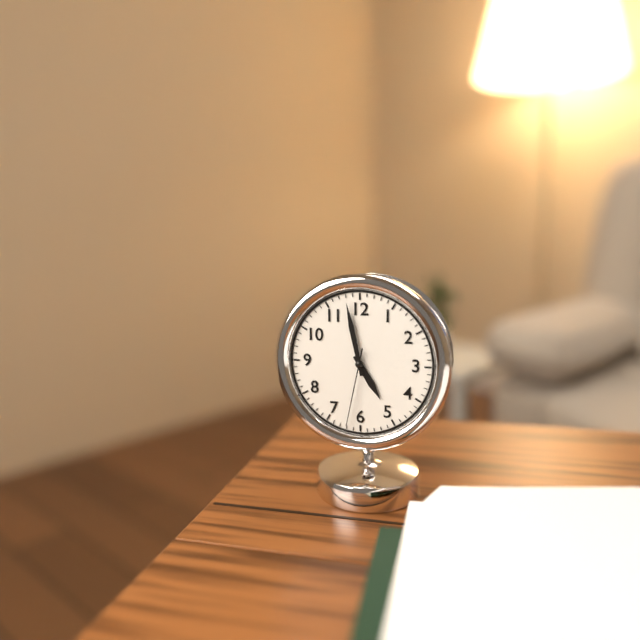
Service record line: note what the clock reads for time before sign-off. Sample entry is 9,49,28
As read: 4,58,32
